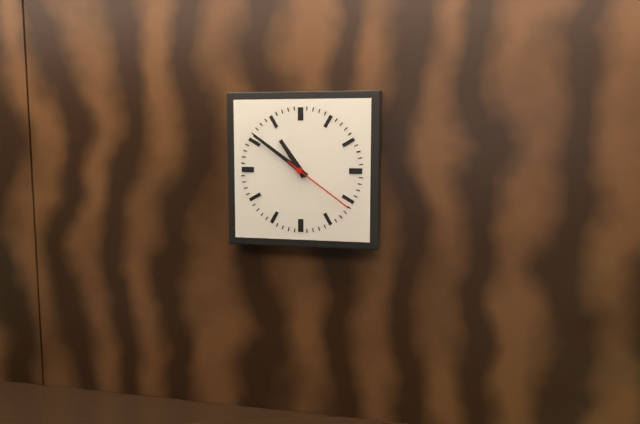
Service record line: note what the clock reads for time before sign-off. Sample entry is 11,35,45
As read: 10,51,21
